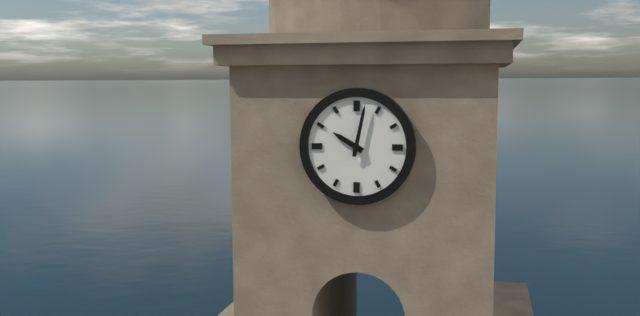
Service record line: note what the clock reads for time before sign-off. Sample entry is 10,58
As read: 10,02
